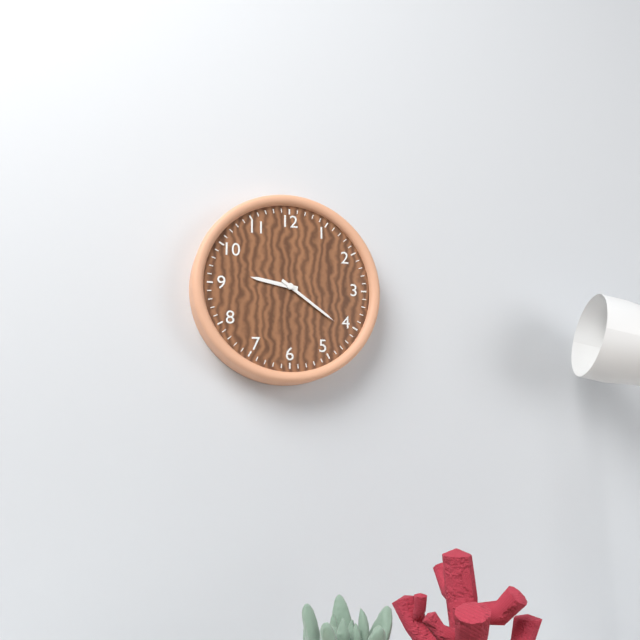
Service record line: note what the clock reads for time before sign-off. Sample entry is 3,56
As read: 9,21
